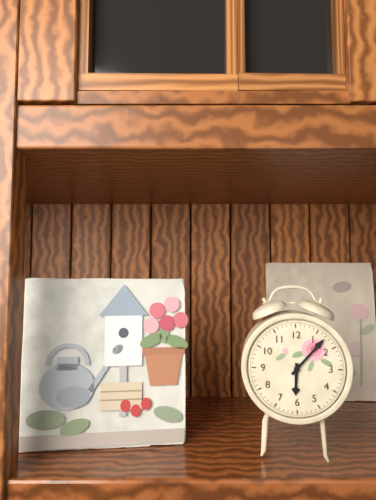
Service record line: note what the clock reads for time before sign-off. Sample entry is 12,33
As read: 6,07
